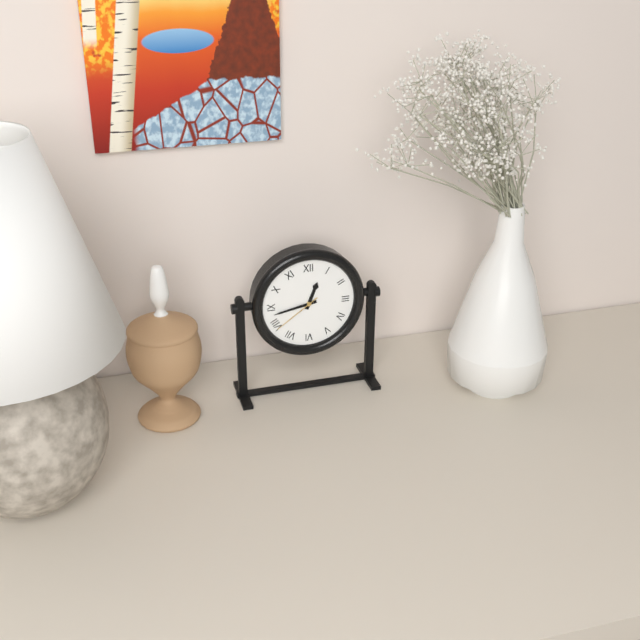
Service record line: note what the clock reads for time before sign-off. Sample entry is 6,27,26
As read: 12,43,39
